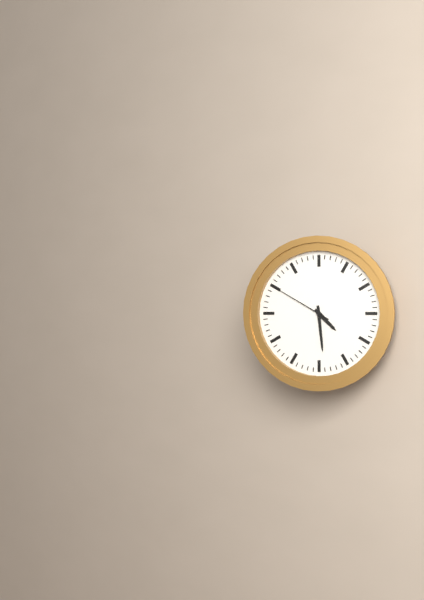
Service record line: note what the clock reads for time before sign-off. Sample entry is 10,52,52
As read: 4,29,50
